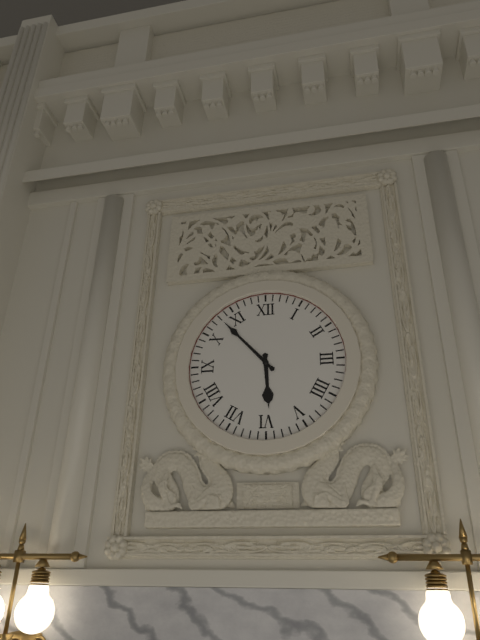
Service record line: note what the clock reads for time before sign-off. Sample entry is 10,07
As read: 5,53
